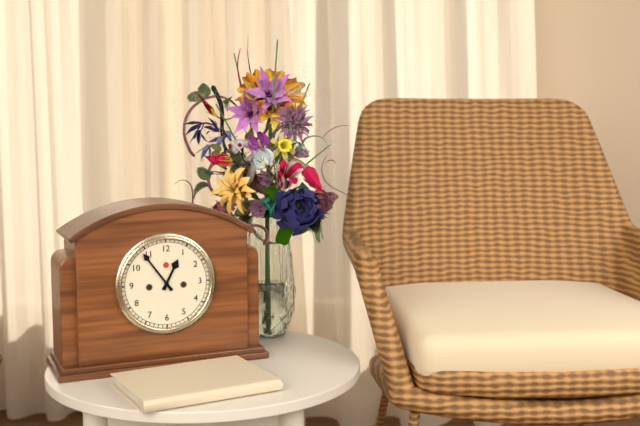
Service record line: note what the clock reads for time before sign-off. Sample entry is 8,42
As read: 12,54
